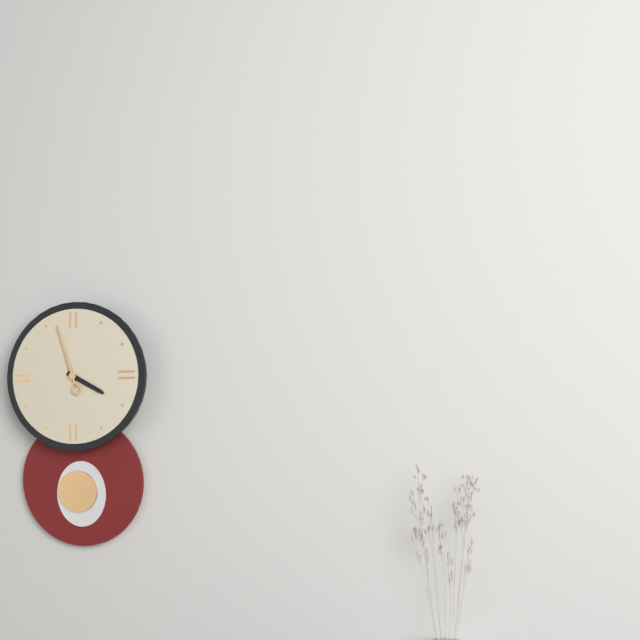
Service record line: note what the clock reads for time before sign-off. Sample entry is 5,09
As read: 3,57
